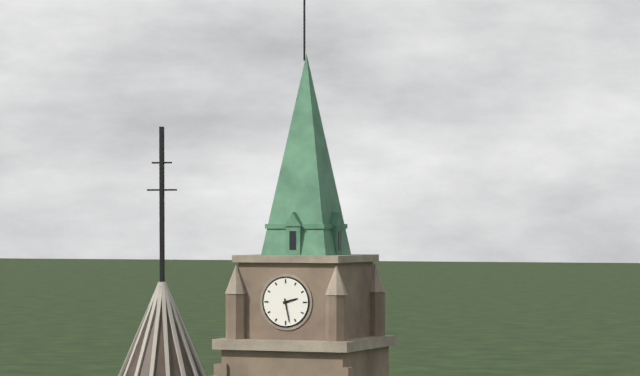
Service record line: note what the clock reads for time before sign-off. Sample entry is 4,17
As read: 2,28
